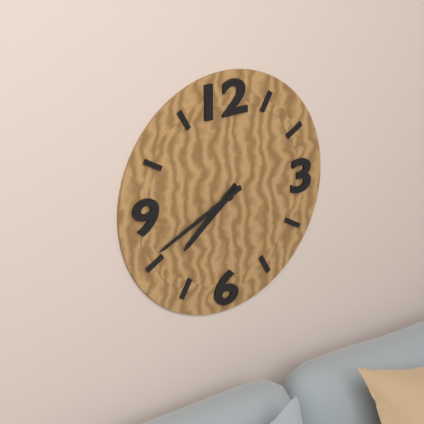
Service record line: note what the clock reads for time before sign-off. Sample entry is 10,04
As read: 7,41
